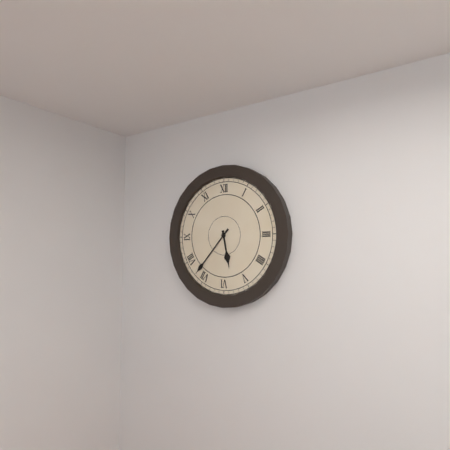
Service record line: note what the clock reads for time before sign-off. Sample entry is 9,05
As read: 5,37
